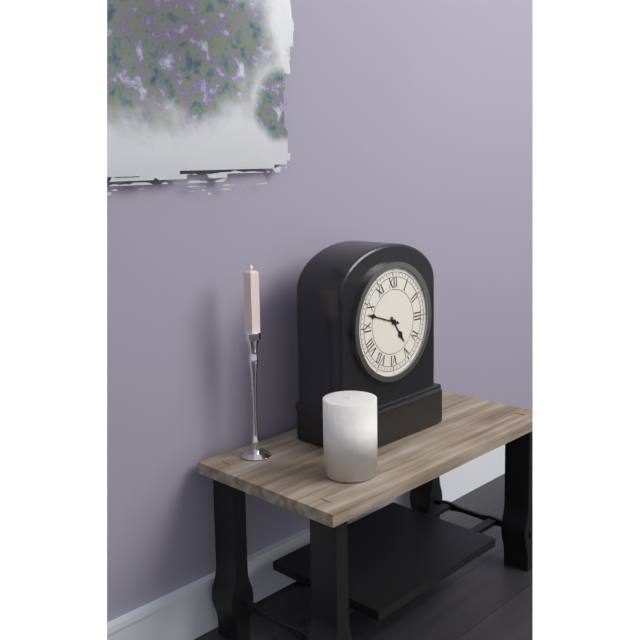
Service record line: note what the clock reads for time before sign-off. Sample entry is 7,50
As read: 4,48
